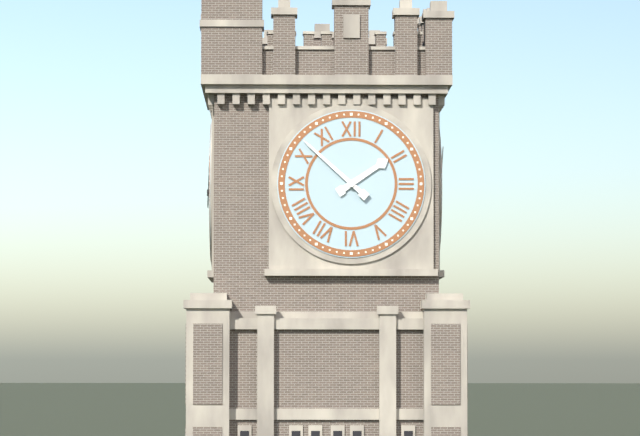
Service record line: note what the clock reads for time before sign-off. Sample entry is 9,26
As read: 1,52
